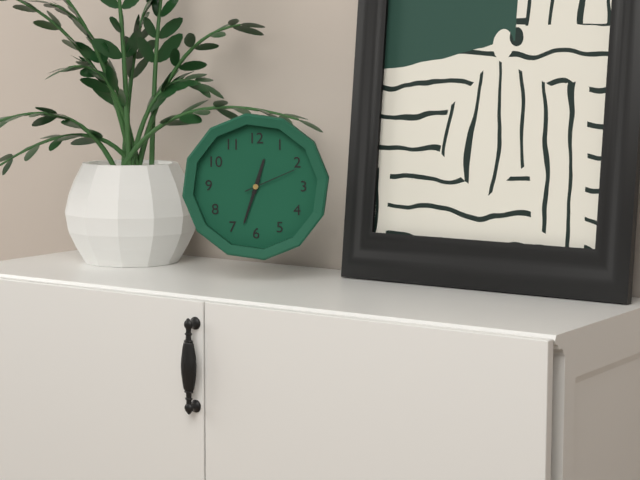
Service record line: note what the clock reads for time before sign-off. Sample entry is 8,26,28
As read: 12,33,11
